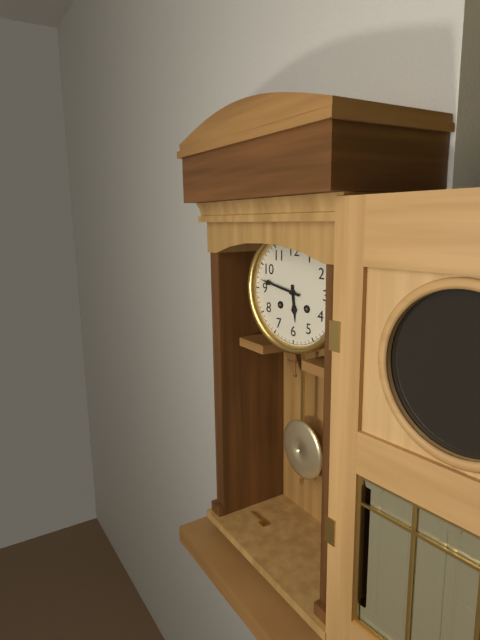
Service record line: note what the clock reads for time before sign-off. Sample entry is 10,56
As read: 5,47
